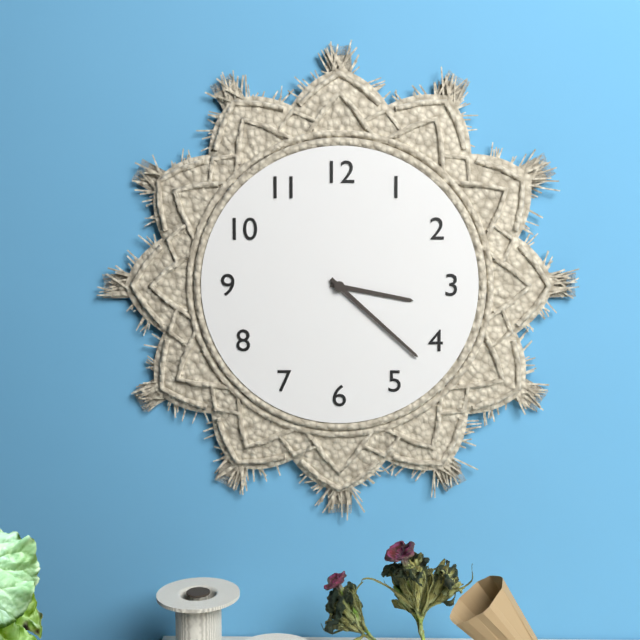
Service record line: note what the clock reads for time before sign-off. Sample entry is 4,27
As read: 3,22
